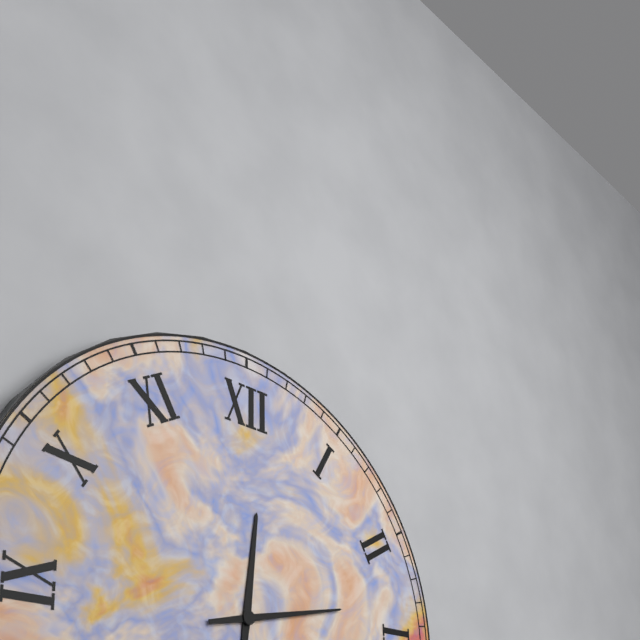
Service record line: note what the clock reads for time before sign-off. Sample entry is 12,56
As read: 12,13
